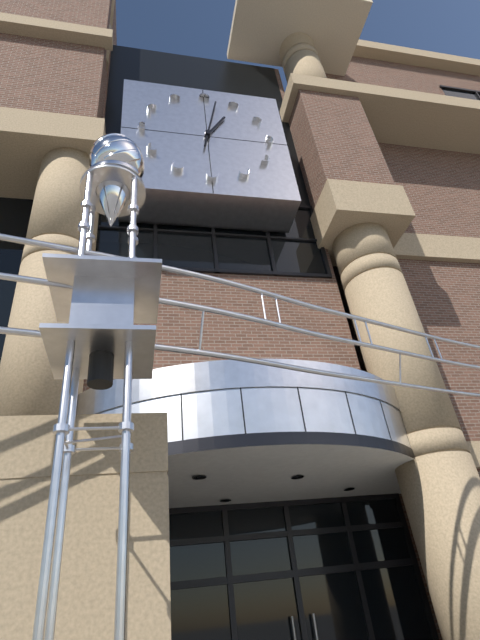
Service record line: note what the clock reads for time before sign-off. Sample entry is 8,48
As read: 1,02
